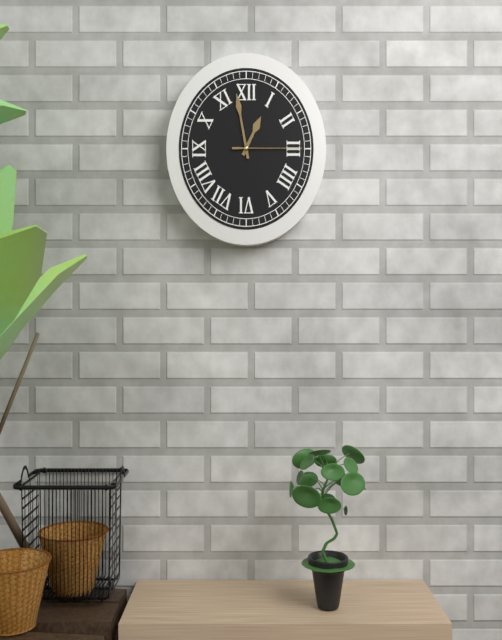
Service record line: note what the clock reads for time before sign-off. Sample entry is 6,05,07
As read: 12,58,15
